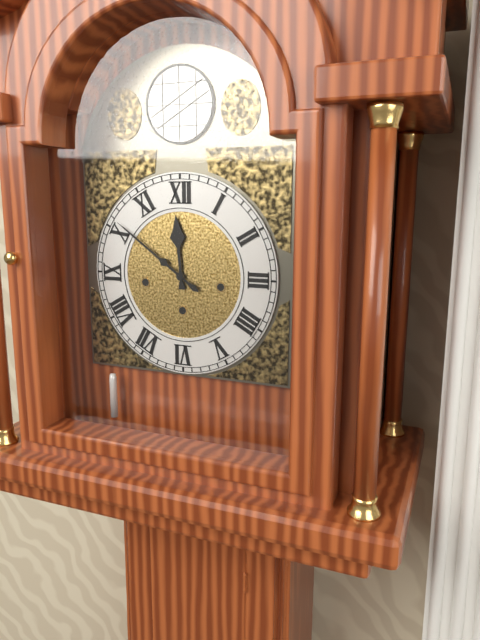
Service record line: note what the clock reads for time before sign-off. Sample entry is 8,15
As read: 11,51
